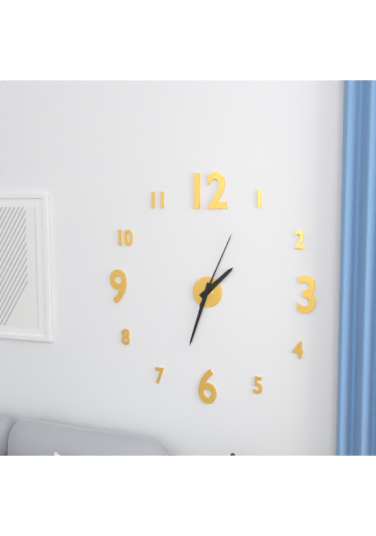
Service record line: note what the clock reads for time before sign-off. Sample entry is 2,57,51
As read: 1,33,04
